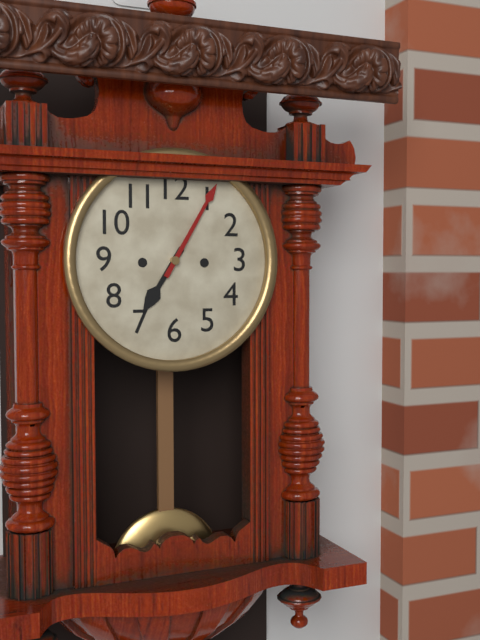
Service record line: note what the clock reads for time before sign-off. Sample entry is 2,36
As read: 7,05
